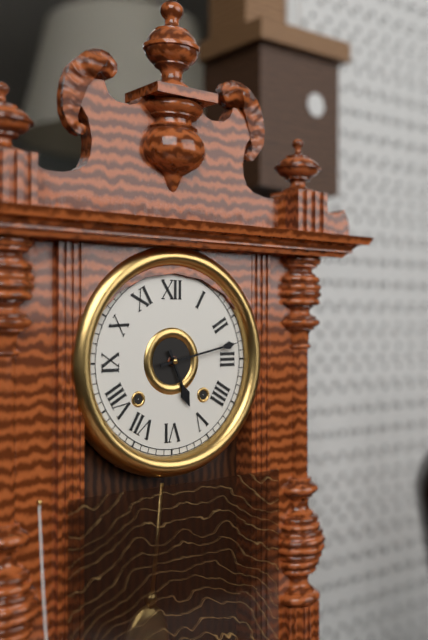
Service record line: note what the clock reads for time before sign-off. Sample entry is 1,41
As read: 5,13
